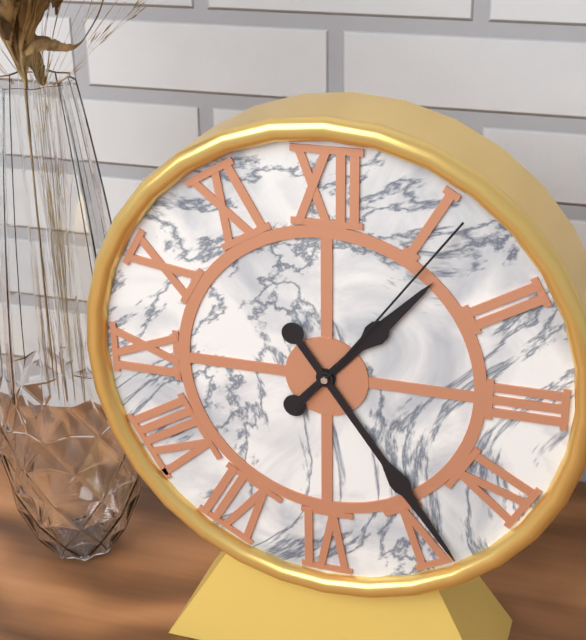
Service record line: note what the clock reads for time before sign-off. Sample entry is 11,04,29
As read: 1,24,06
